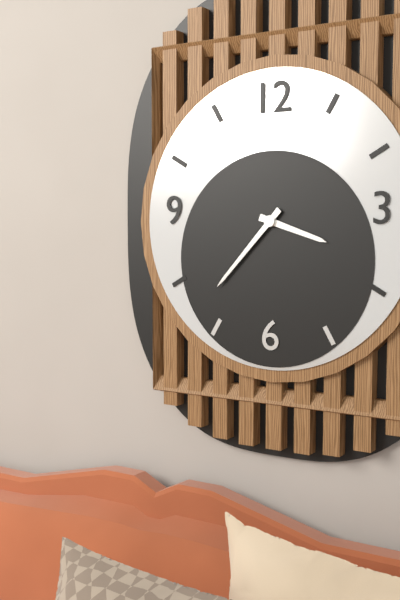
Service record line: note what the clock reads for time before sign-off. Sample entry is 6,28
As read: 3,37
